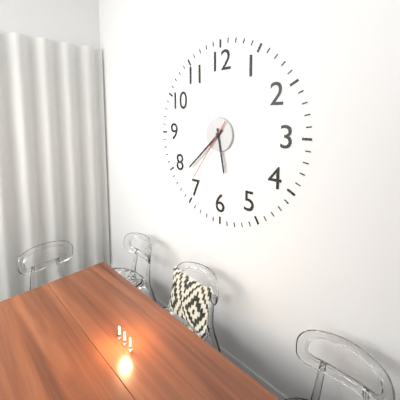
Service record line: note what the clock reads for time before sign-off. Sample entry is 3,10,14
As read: 5,38,36
